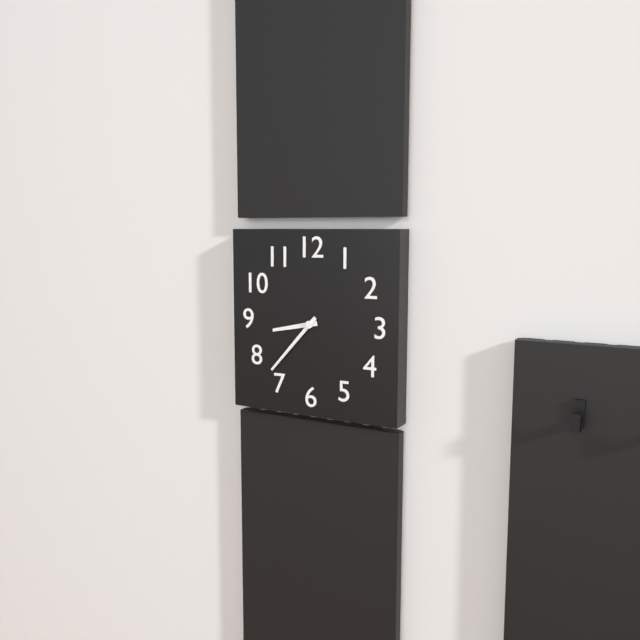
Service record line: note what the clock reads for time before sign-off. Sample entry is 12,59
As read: 8,37
